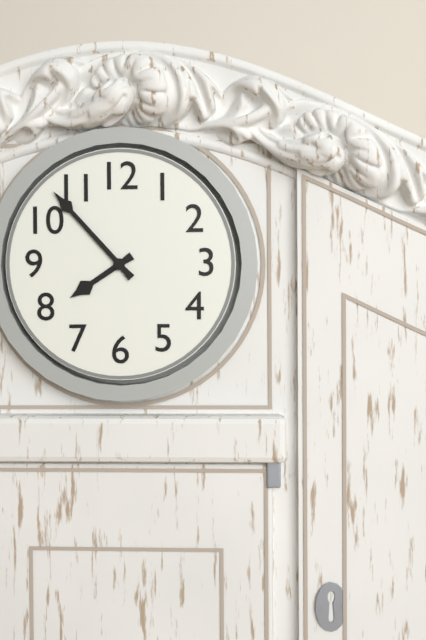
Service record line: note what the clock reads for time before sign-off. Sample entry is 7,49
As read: 7,53
